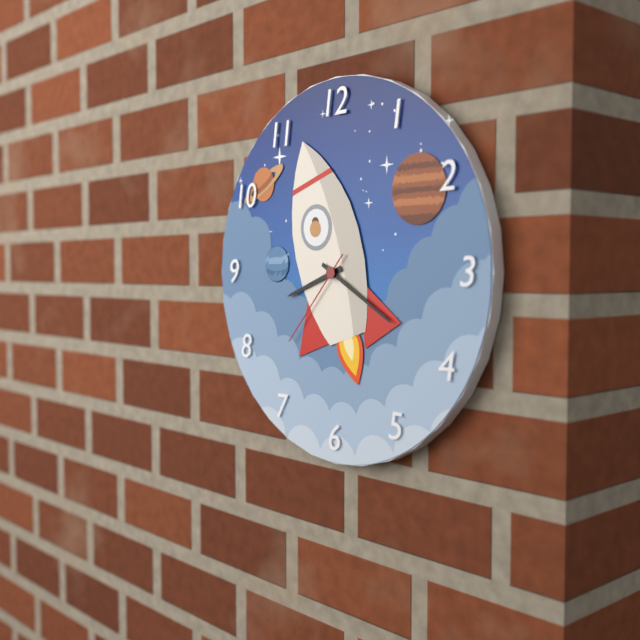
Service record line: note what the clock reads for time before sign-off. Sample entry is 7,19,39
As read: 8,20,37
